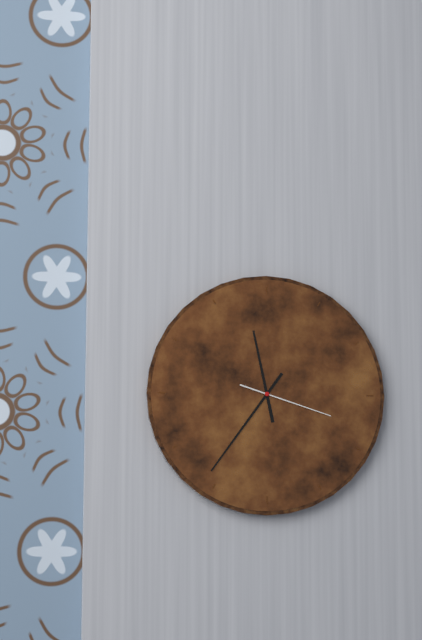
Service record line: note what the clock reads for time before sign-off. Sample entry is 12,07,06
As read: 11,36,18
